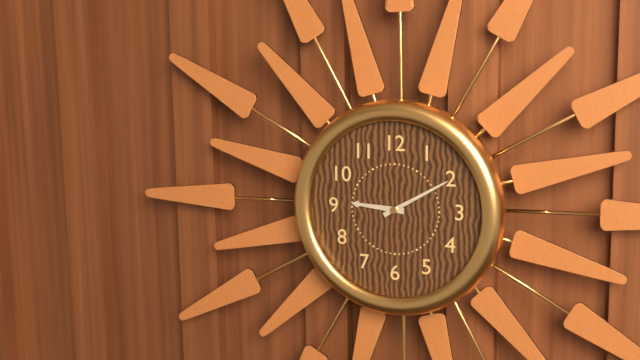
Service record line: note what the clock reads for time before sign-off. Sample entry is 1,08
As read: 9,10
